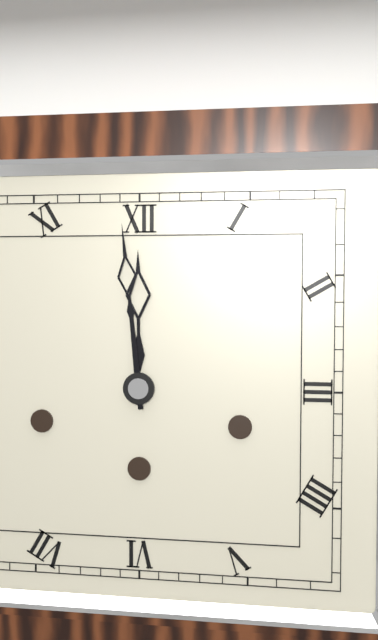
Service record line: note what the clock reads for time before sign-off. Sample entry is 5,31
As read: 11,59
